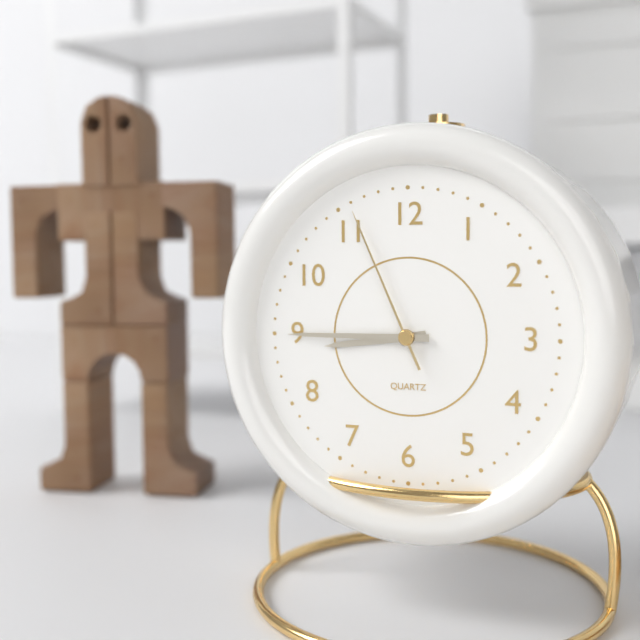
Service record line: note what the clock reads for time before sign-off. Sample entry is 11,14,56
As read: 8,45,56
